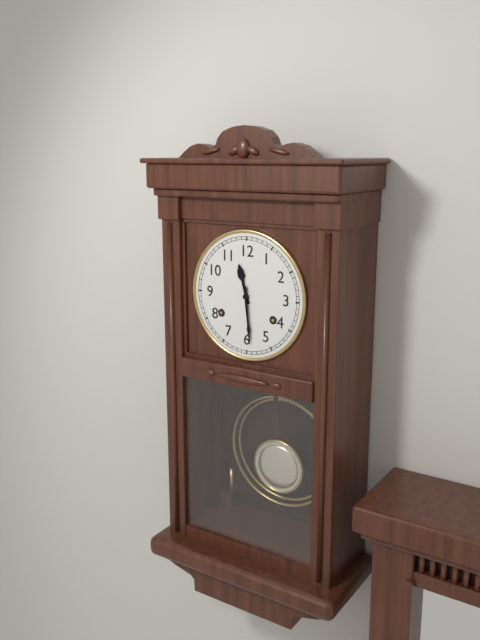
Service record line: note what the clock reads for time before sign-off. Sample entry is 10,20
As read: 11,29
